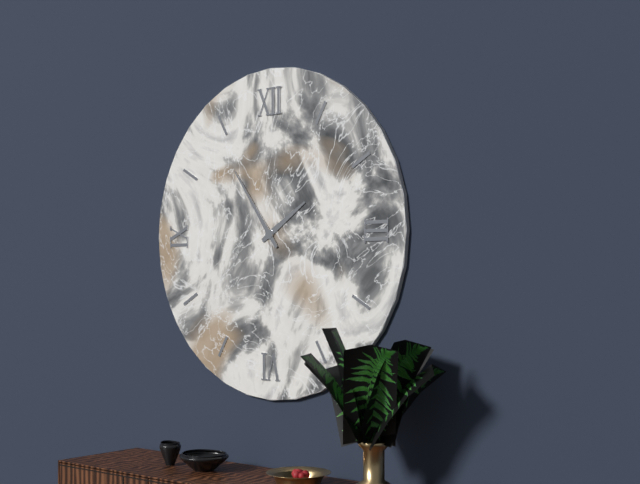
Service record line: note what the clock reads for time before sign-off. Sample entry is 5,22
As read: 1,54
